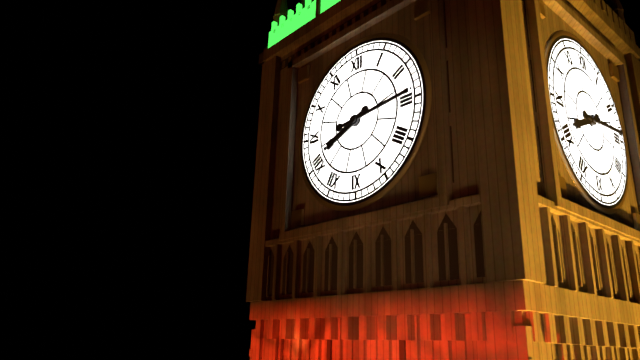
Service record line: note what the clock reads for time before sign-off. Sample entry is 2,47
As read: 8,14
